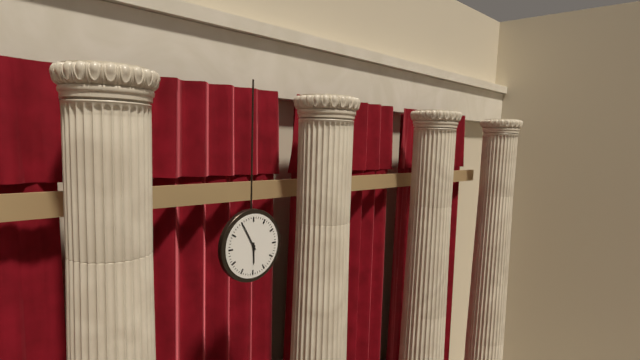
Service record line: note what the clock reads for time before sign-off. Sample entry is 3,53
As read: 5,55
